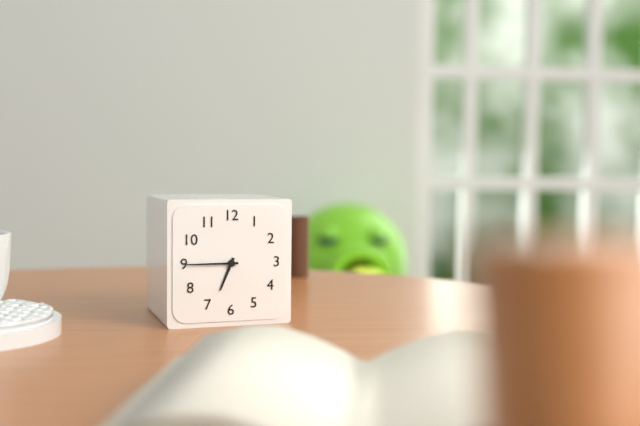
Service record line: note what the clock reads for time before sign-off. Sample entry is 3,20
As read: 6,45
